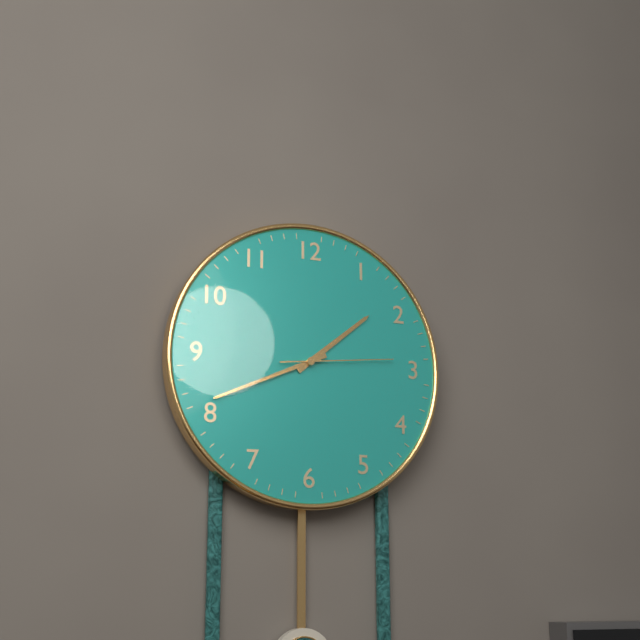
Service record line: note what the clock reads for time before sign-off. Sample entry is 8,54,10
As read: 1,41,14
